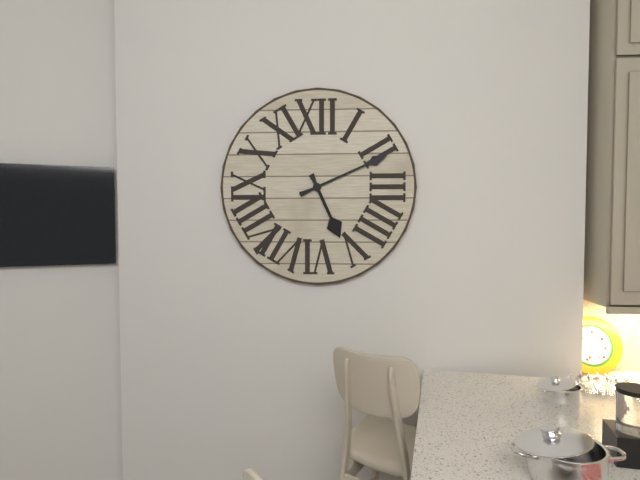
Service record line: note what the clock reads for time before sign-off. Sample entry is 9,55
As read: 5,11
